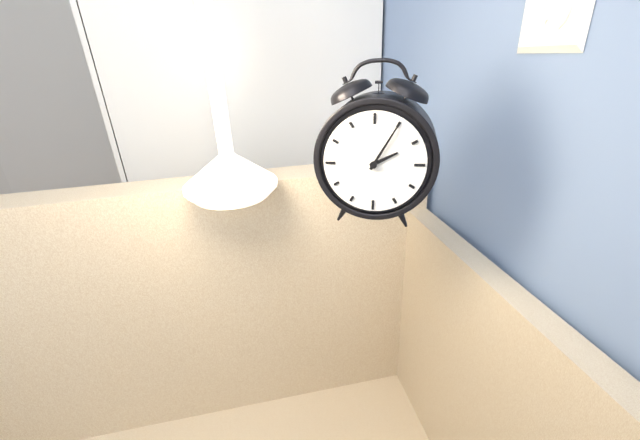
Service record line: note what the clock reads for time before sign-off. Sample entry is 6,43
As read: 2,05
